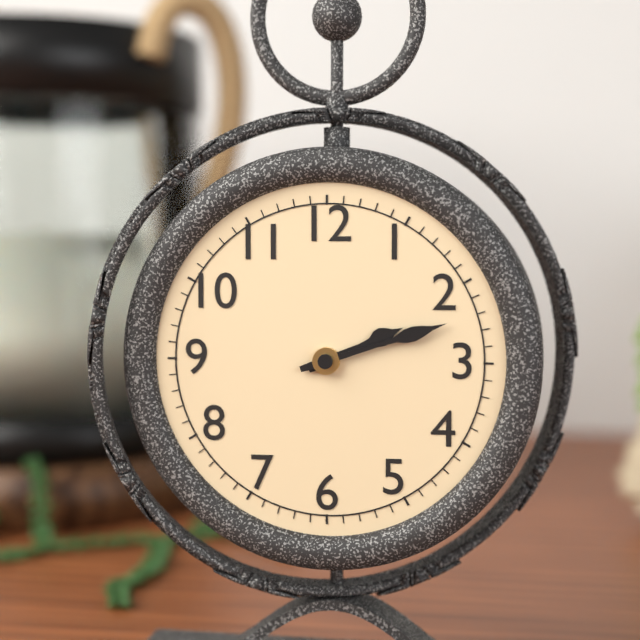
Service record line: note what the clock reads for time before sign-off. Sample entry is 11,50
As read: 2,12
